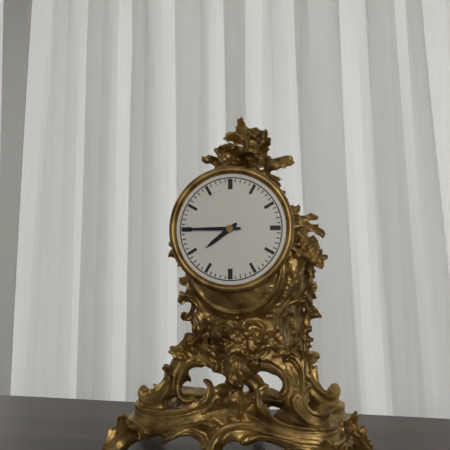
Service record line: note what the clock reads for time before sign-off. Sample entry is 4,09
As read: 7,45
